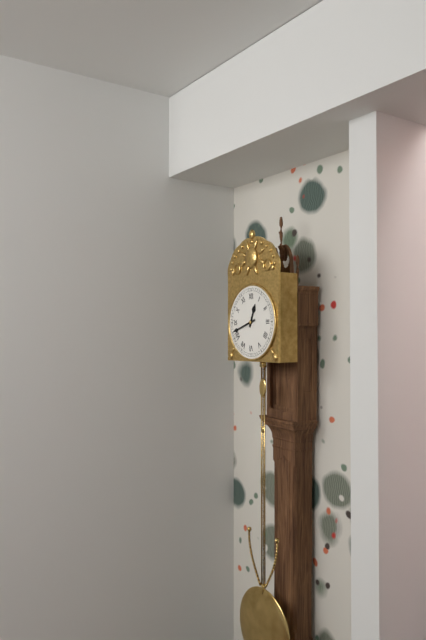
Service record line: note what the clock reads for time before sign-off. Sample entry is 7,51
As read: 12,42
